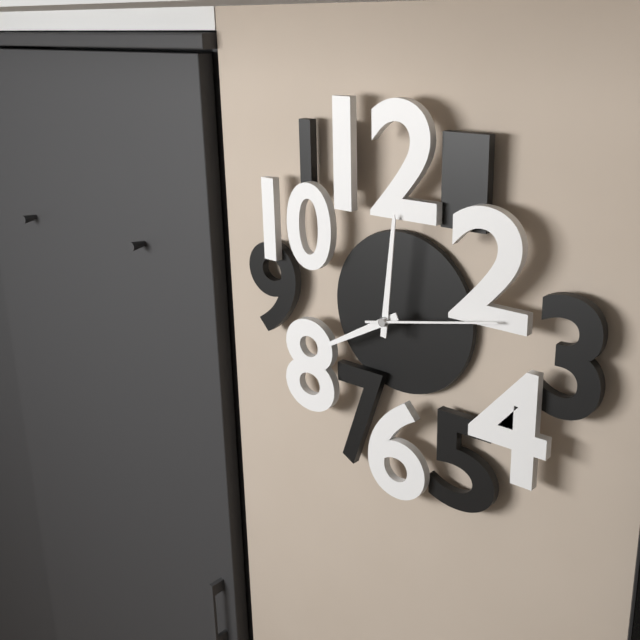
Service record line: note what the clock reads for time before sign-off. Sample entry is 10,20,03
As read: 8,01,13
